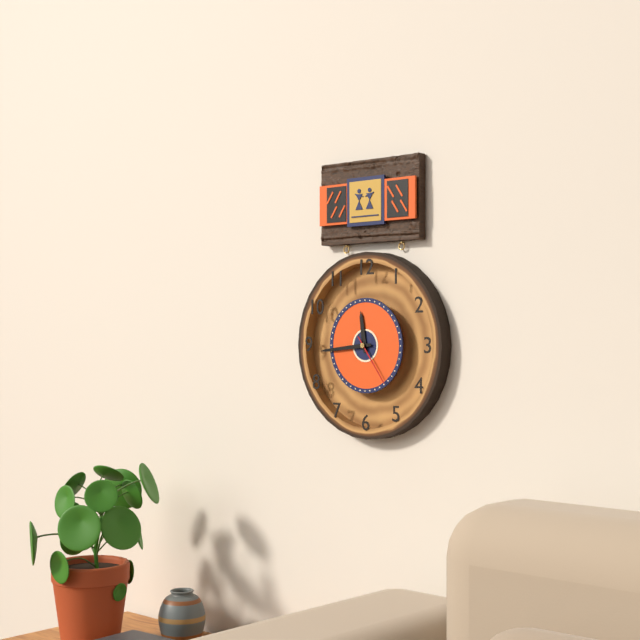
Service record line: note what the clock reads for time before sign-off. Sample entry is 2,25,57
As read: 11,44,24
